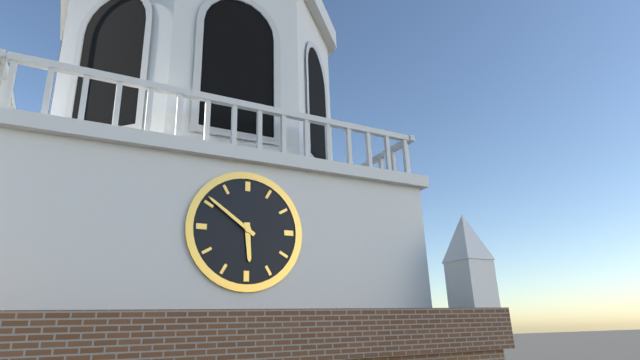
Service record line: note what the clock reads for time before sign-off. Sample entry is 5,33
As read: 5,51
